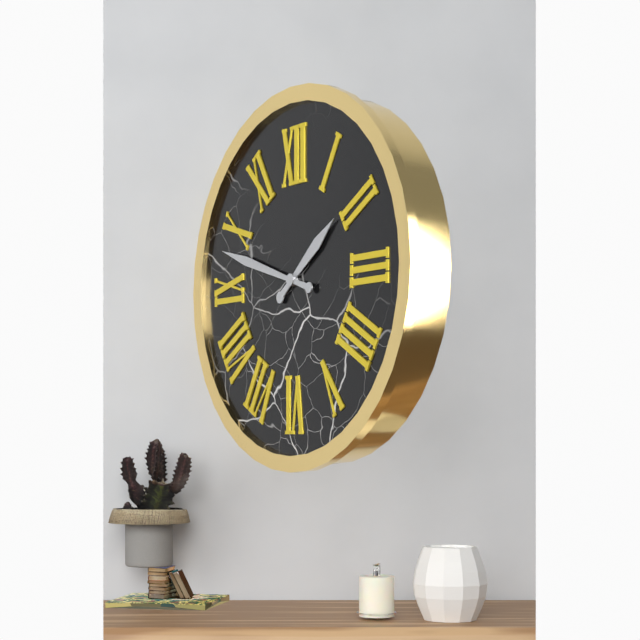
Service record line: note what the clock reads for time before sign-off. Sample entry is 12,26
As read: 1,48
